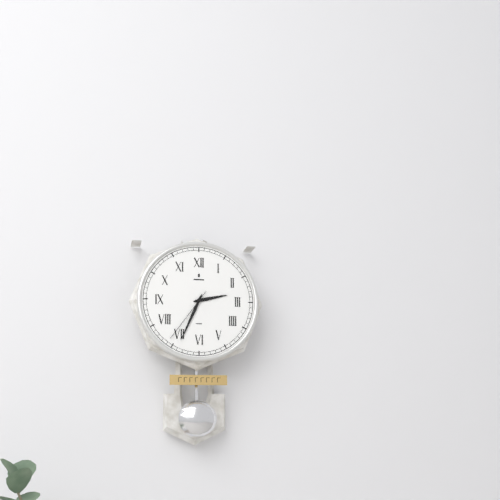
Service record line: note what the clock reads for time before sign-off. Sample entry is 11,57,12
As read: 2,34,36
